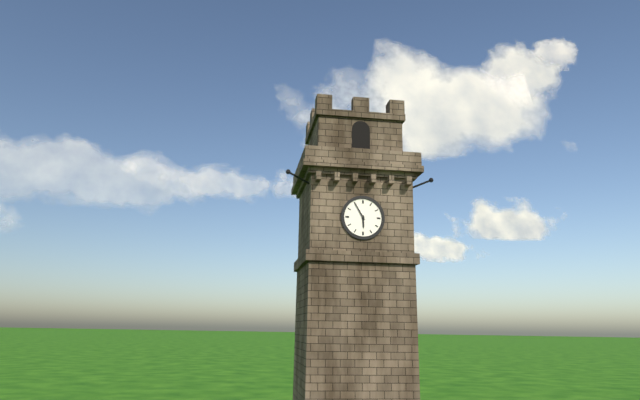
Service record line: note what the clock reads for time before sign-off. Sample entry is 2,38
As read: 5,55
